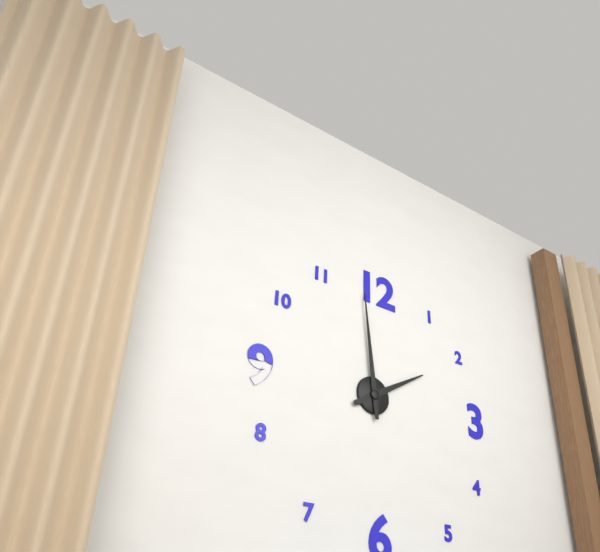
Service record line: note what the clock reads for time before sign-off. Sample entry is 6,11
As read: 1,59
